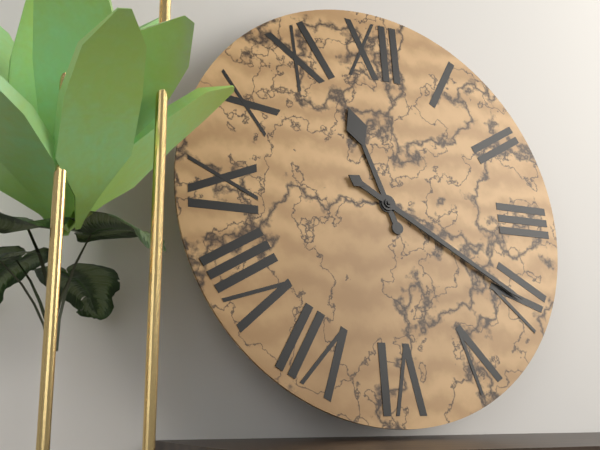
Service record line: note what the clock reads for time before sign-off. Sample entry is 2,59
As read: 11,20
